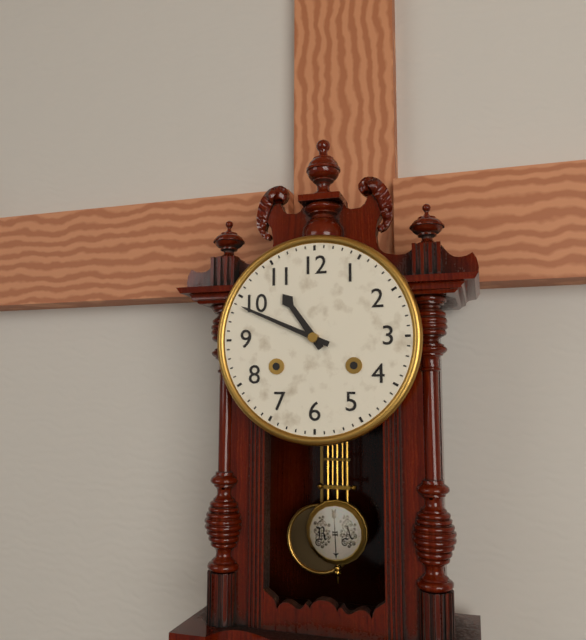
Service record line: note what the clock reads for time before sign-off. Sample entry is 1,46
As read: 10,49
